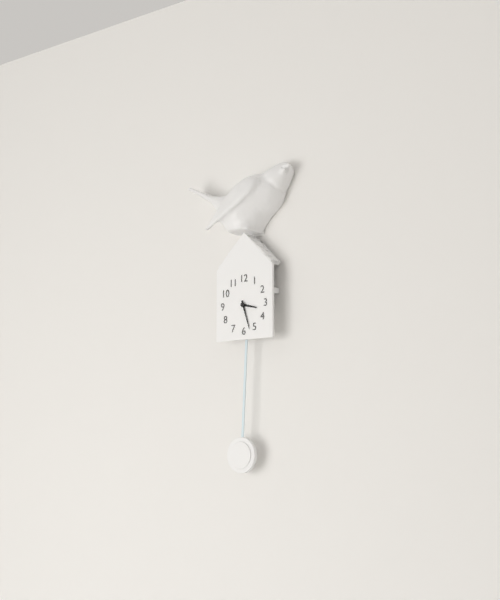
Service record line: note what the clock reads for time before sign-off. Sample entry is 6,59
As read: 3,27
